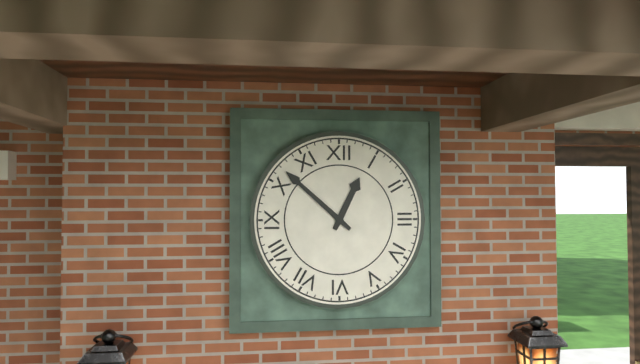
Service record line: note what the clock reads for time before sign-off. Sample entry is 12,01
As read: 12,52
